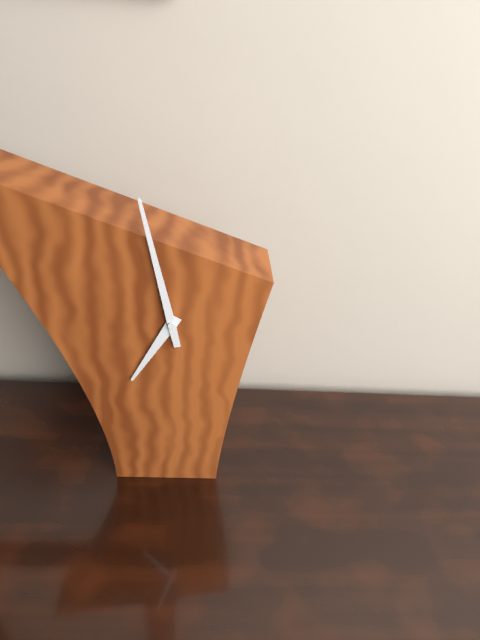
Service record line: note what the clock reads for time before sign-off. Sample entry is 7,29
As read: 6,58
